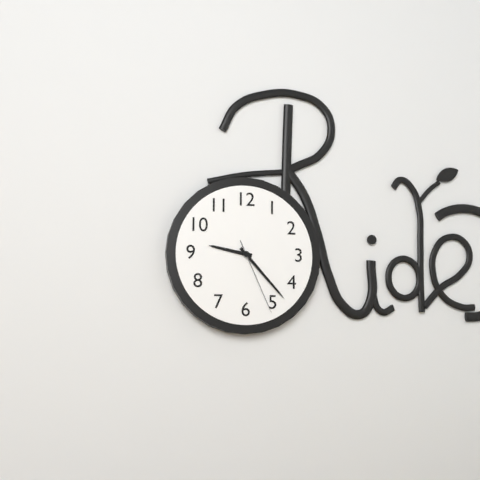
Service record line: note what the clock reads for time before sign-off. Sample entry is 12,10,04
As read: 9,23,26
